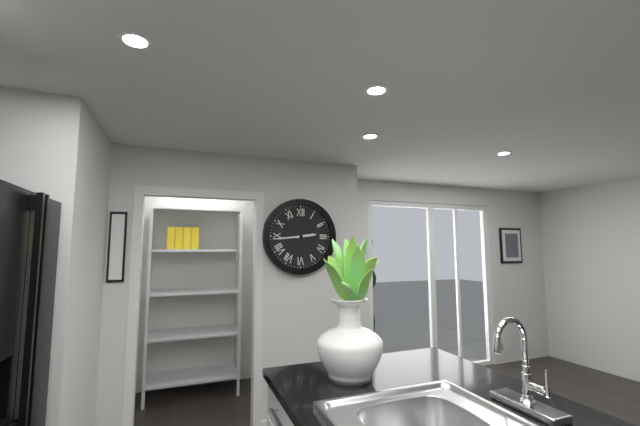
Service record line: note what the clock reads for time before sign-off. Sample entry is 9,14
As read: 2,44
